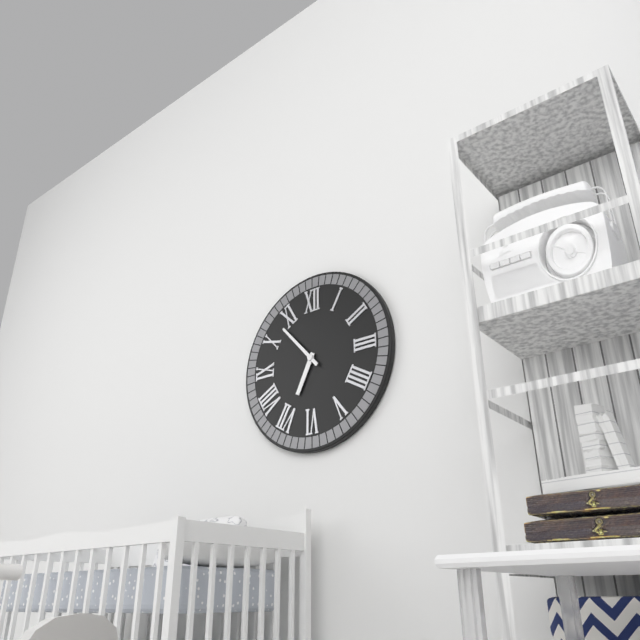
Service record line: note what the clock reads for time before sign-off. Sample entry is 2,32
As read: 6,53
